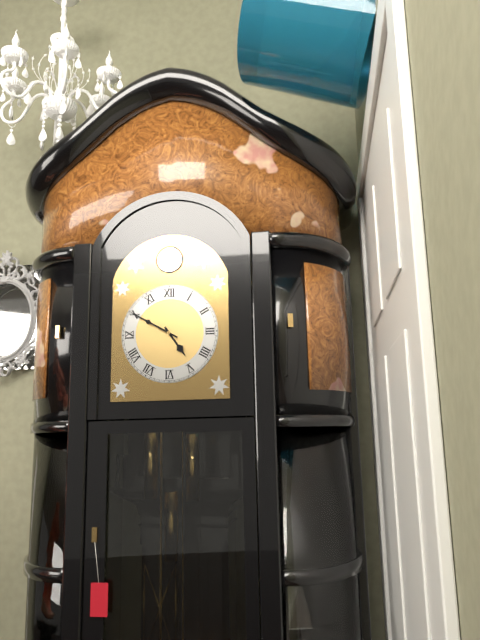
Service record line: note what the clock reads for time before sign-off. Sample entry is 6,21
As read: 4,50
